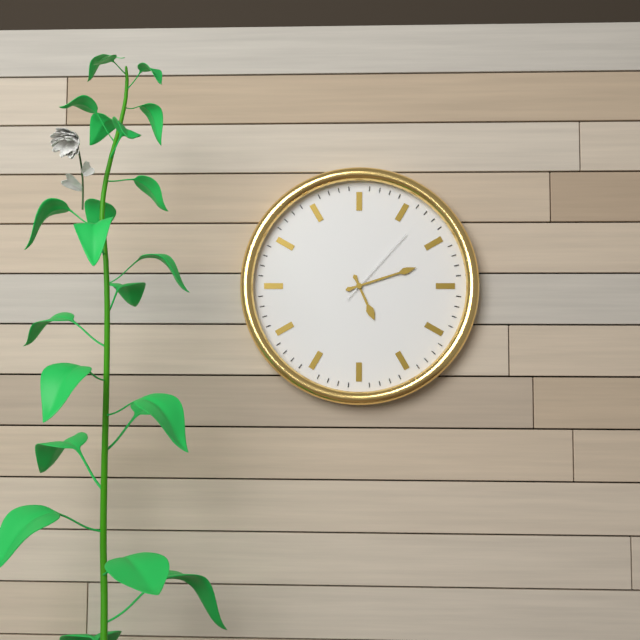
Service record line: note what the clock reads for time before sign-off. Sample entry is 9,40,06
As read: 5,12,07
